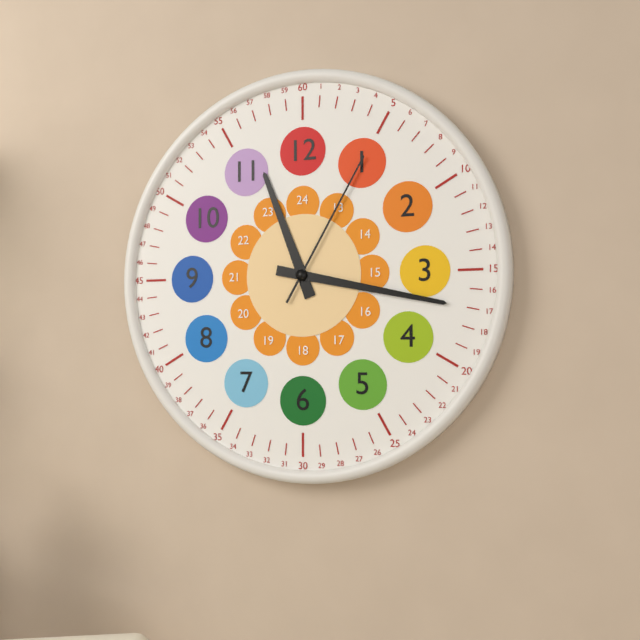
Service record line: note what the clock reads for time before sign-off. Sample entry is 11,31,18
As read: 11,17,05
